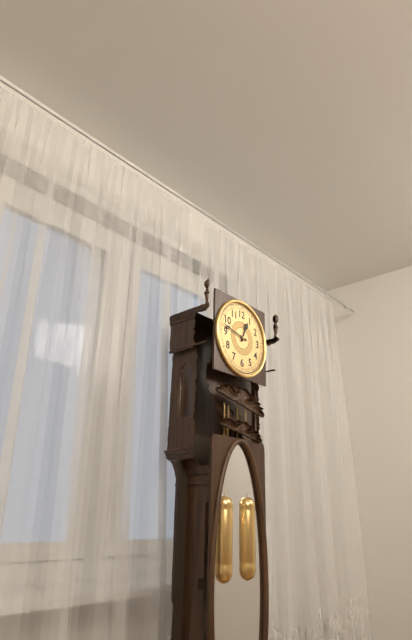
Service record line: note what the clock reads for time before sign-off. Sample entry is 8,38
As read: 12,47
